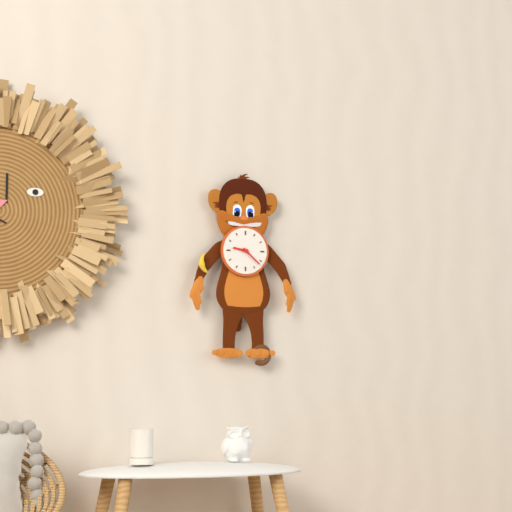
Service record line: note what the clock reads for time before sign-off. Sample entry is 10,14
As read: 9,22
